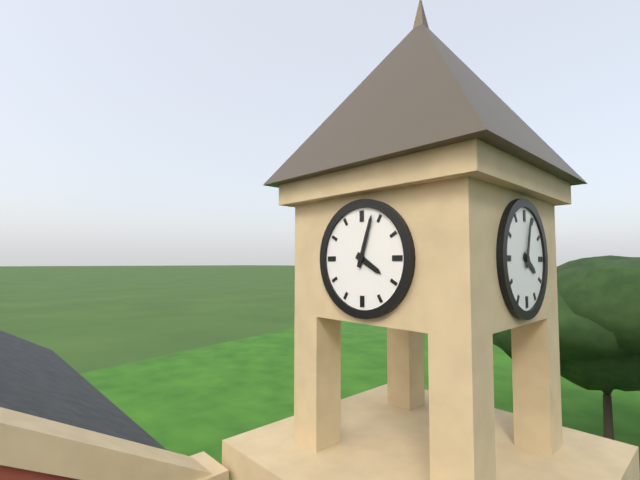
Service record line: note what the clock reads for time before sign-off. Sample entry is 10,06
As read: 4,03
